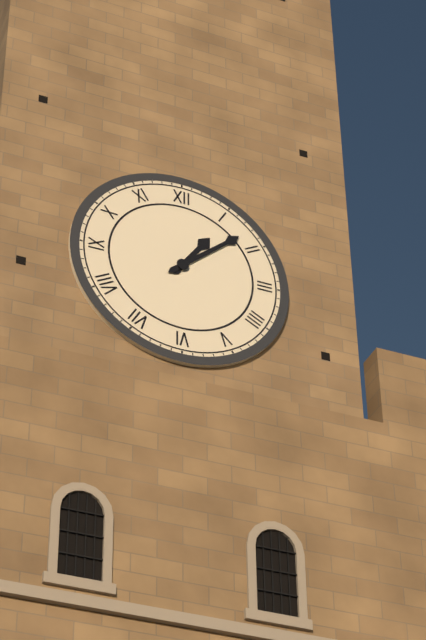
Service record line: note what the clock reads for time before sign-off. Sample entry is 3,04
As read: 1,08
